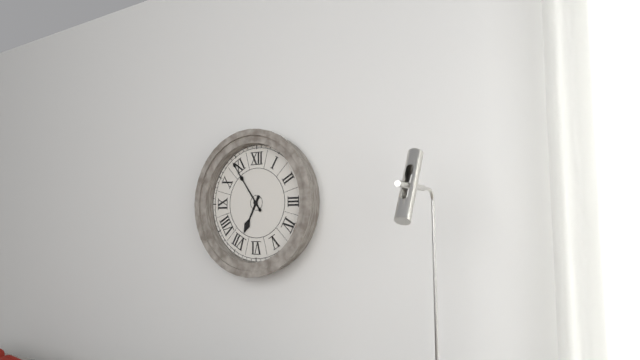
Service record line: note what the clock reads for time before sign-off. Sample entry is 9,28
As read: 6,54
